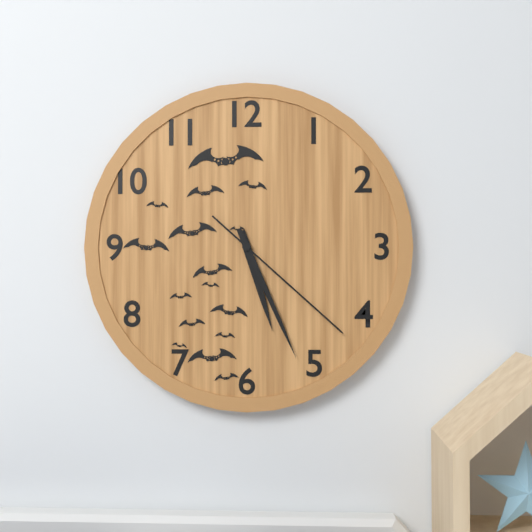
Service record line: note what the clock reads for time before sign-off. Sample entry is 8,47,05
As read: 5,26,22
